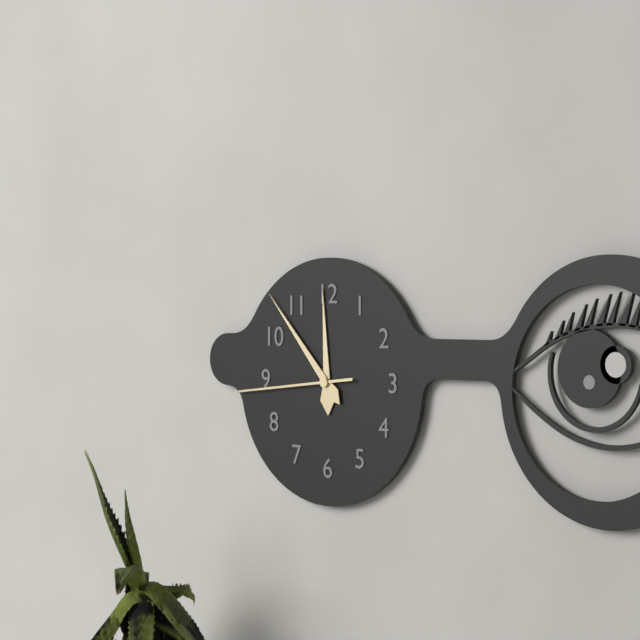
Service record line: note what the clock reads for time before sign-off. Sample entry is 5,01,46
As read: 11,53,44
